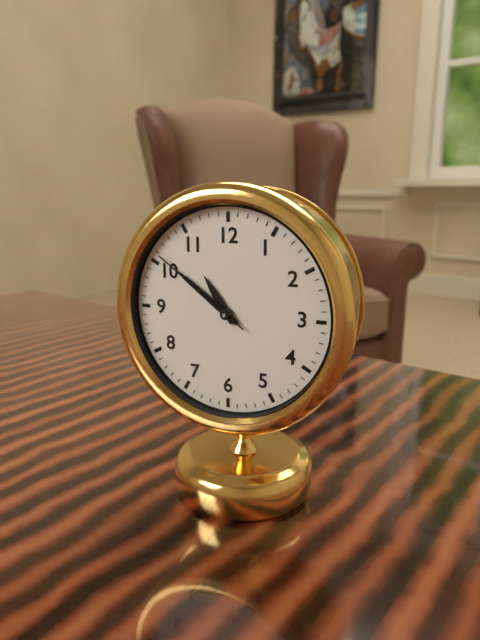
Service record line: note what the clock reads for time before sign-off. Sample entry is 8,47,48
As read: 10,51,51
